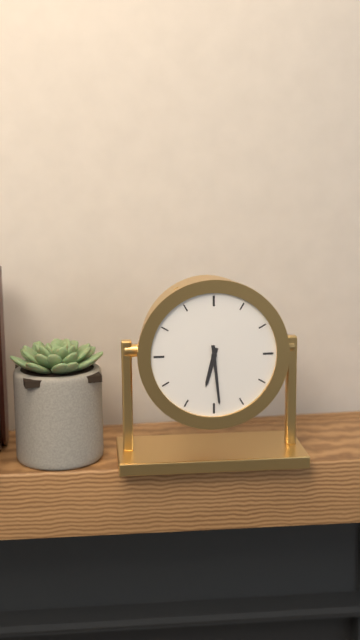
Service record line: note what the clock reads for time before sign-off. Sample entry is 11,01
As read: 6,29
